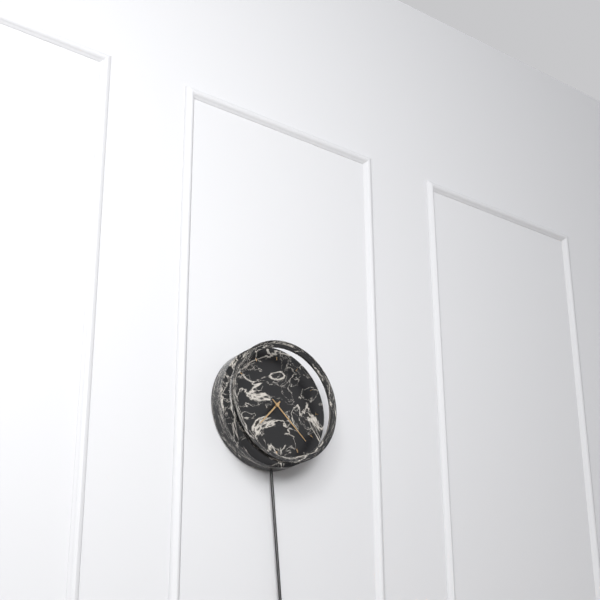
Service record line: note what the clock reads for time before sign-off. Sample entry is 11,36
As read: 7,22
